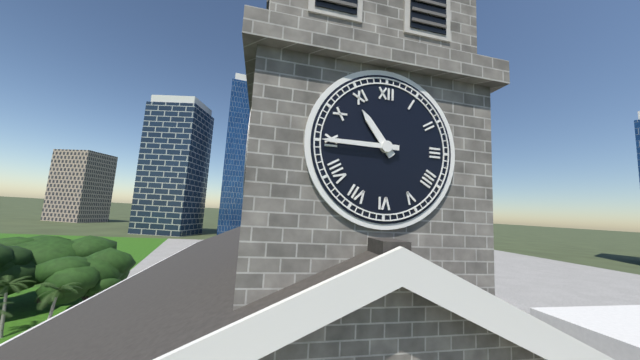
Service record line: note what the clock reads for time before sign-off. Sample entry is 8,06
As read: 10,45
